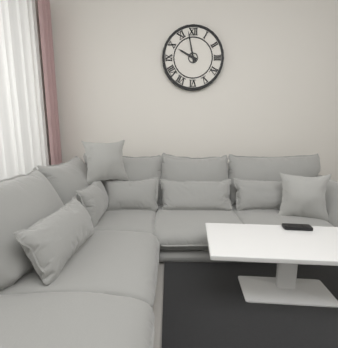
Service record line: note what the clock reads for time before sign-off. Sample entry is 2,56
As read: 9,58
